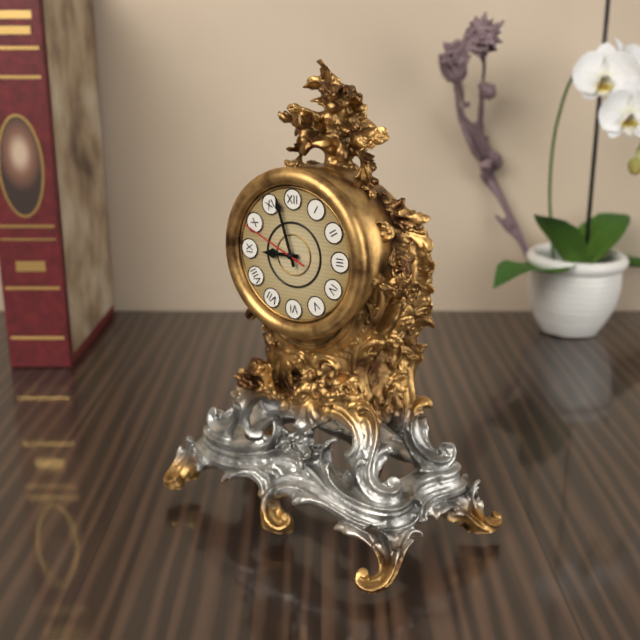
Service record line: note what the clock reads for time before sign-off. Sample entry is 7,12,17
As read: 8,57,49
